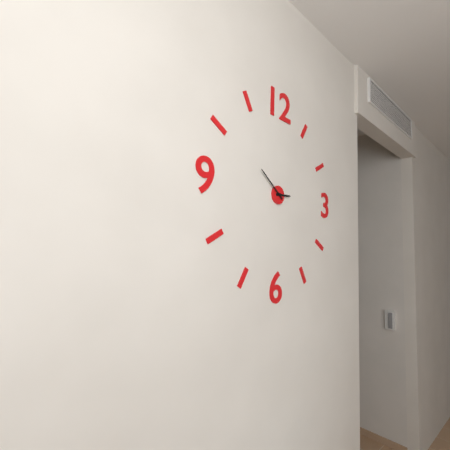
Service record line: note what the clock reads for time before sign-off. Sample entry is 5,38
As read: 2,51
